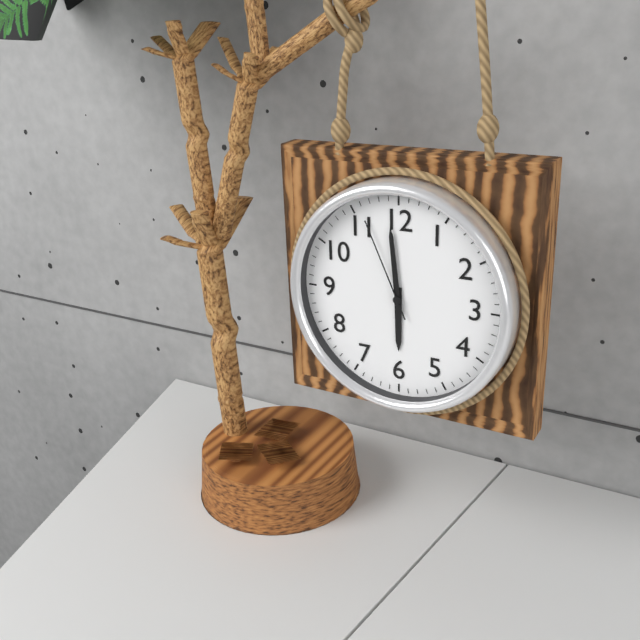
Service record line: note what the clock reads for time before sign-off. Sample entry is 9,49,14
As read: 5,59,56
